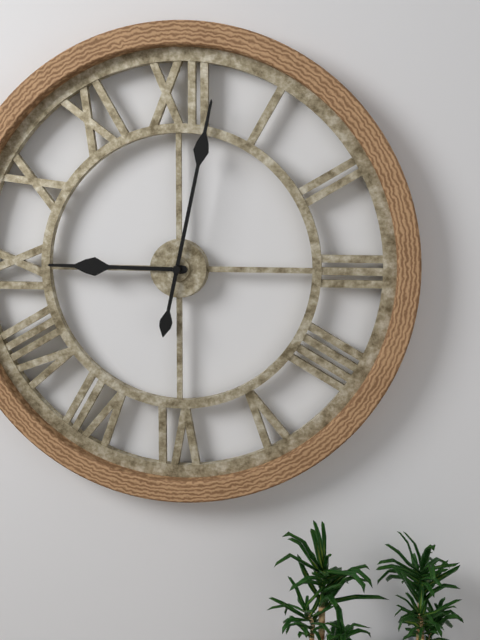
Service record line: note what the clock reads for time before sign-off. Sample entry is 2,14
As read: 9,02
